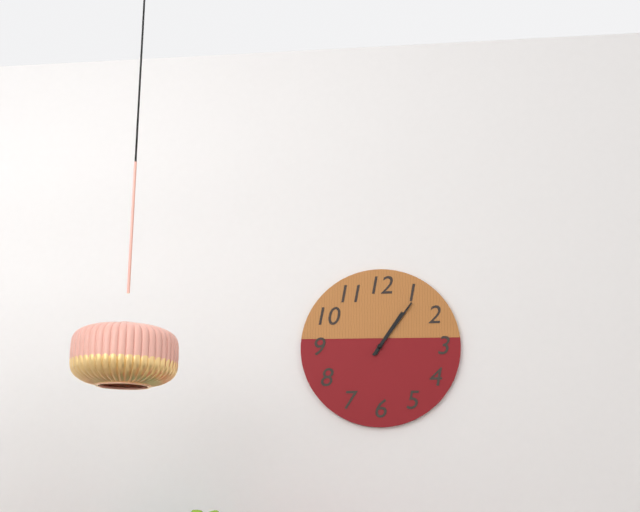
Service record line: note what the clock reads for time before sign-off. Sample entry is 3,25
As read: 1,06
